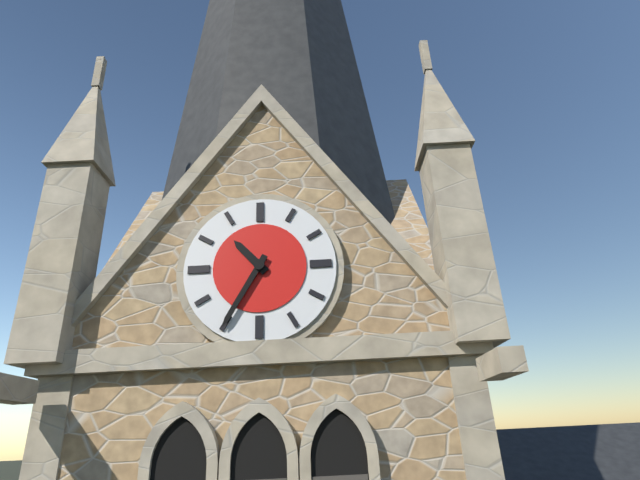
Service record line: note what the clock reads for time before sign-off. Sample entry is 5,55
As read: 10,35
